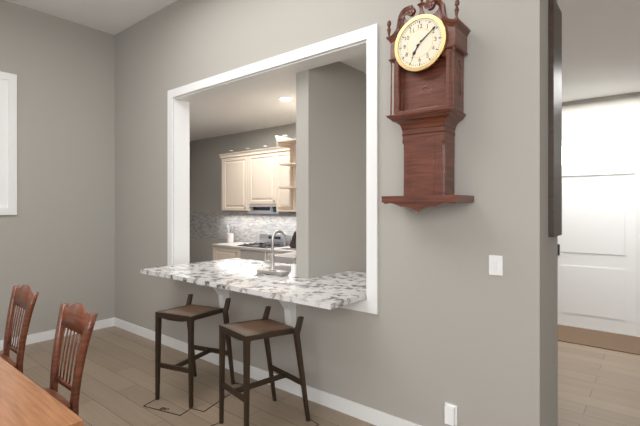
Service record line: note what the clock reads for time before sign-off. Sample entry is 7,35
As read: 7,09
